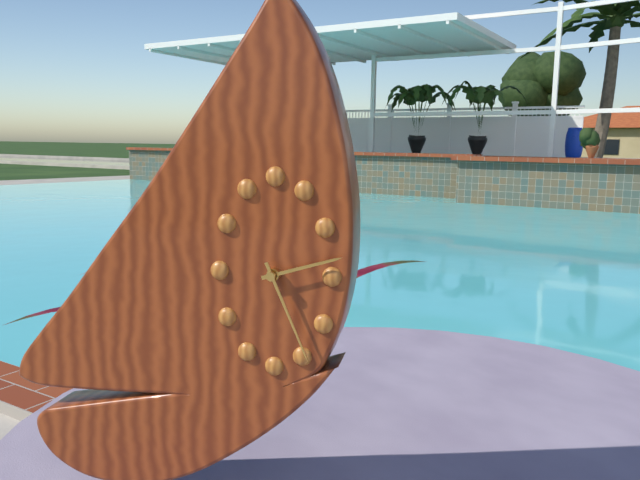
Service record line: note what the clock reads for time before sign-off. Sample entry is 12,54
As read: 2,26
